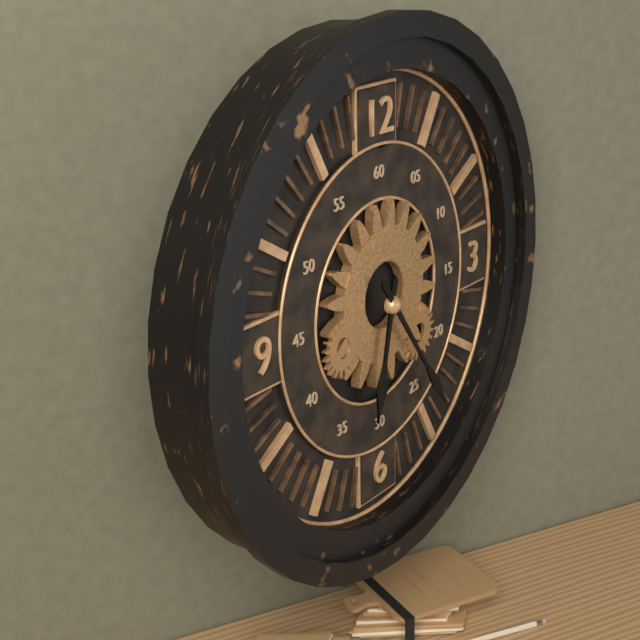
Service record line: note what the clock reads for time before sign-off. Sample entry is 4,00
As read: 6,24
